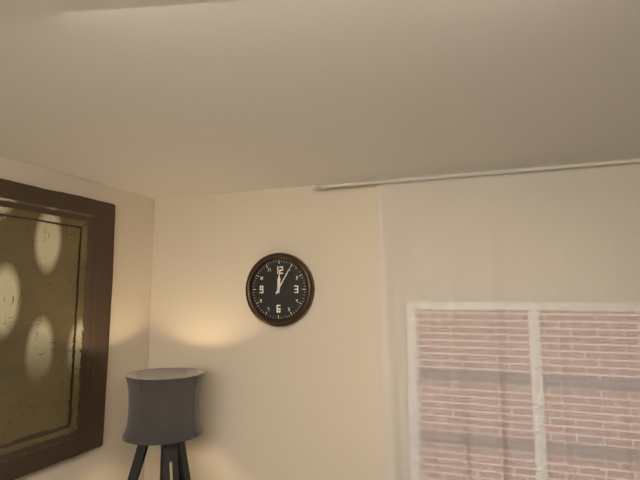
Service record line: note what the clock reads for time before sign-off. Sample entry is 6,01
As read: 12,05
